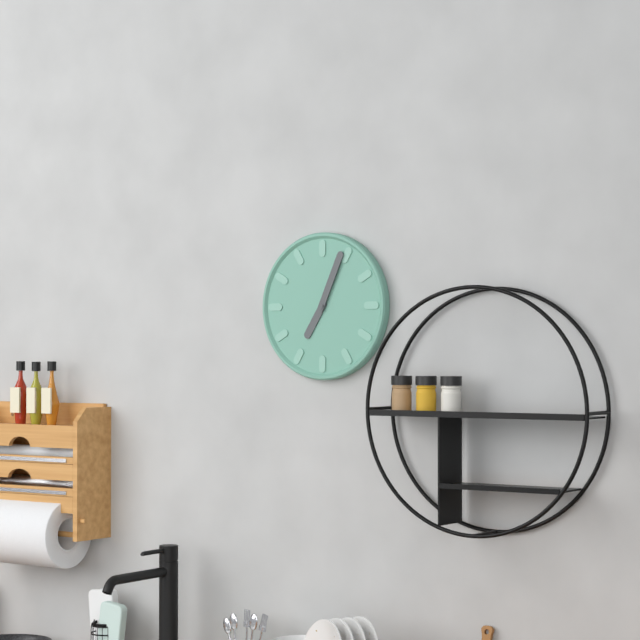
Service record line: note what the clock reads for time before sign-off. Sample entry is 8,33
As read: 7,04
